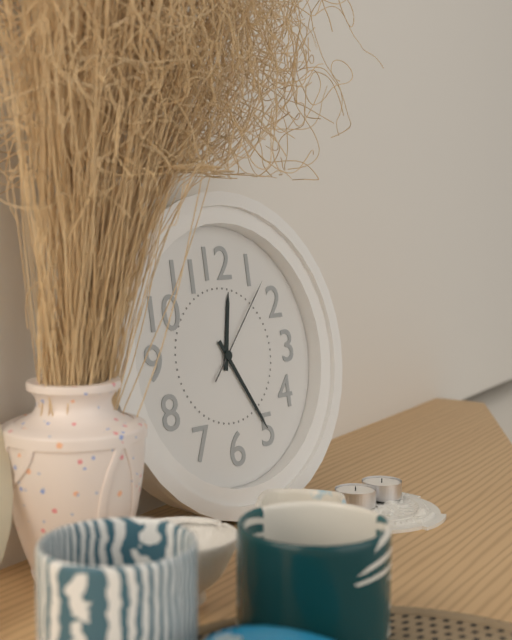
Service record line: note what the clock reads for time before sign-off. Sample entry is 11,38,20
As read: 12,25,07
